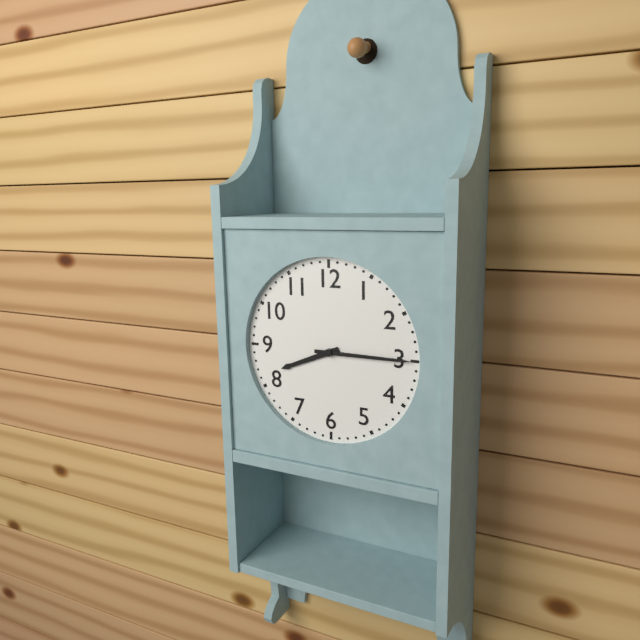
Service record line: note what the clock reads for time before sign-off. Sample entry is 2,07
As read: 8,15
